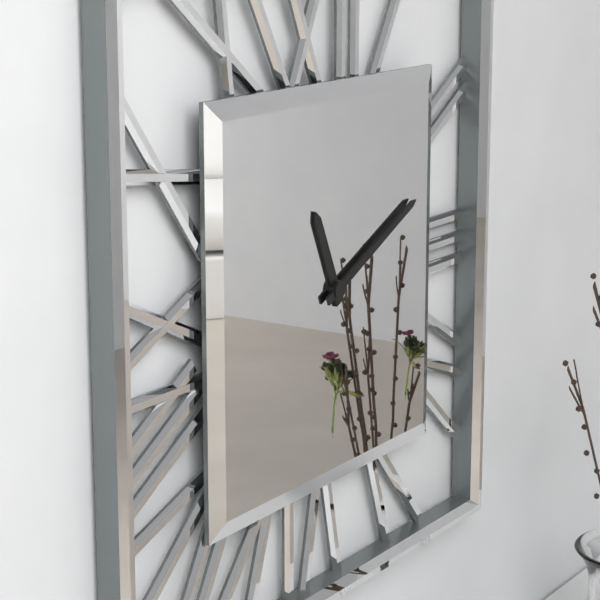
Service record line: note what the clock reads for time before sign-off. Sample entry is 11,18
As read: 11,11
